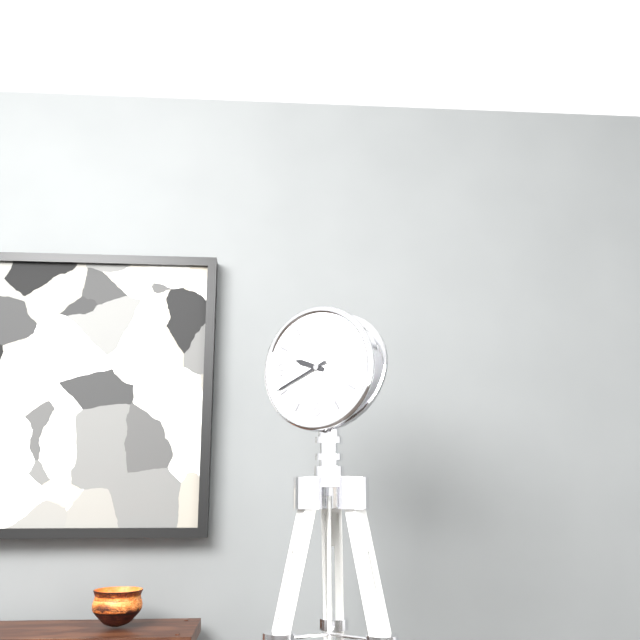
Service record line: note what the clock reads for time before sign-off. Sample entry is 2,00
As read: 9,41
